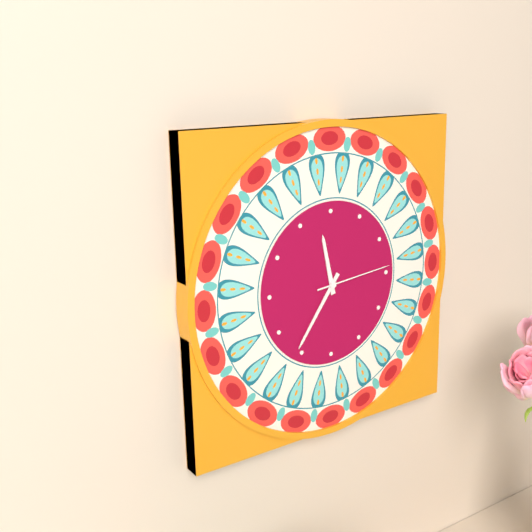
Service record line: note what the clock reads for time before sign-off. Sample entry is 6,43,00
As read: 11,36,14
